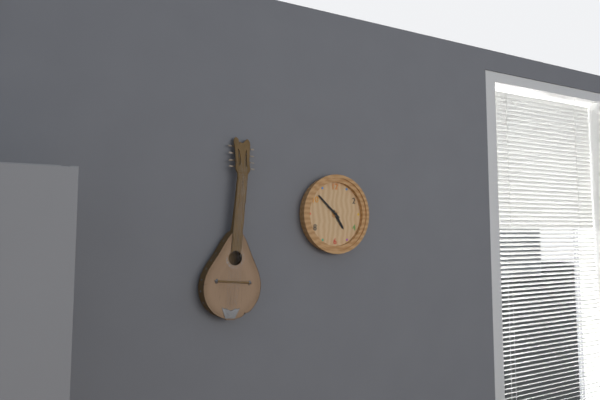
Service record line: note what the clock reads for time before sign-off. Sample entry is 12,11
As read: 4,52
